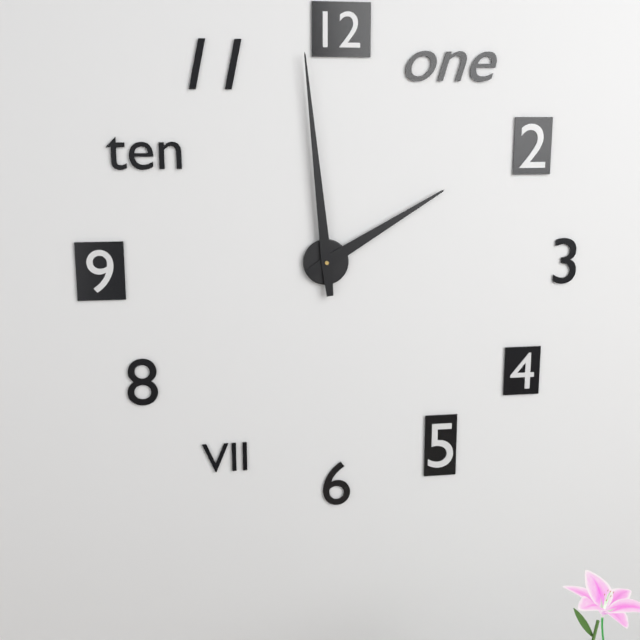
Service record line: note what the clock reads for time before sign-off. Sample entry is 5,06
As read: 1,59
